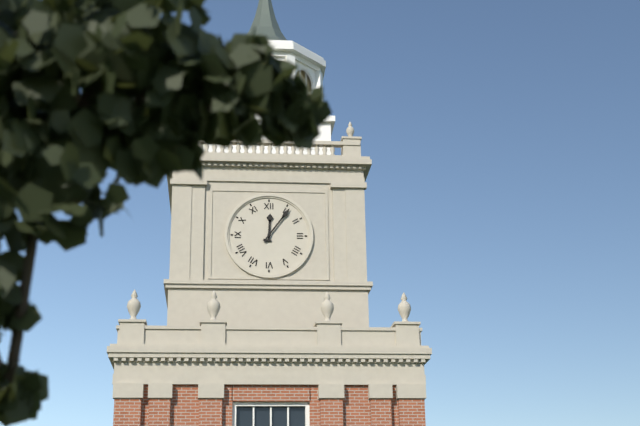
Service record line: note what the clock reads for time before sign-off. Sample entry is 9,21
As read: 12,06
